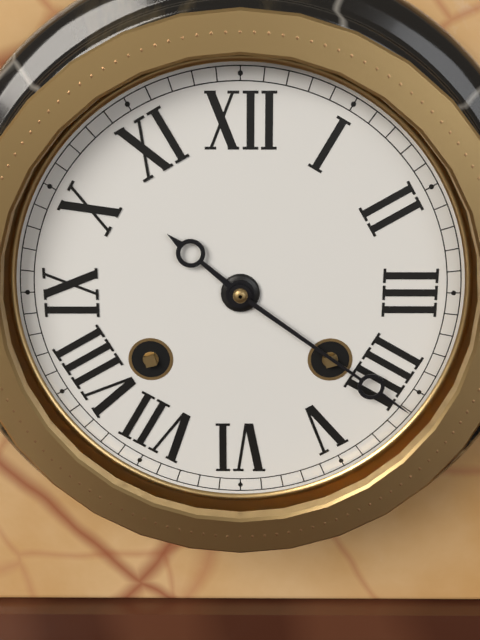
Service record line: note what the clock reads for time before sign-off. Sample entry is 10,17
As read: 10,21
